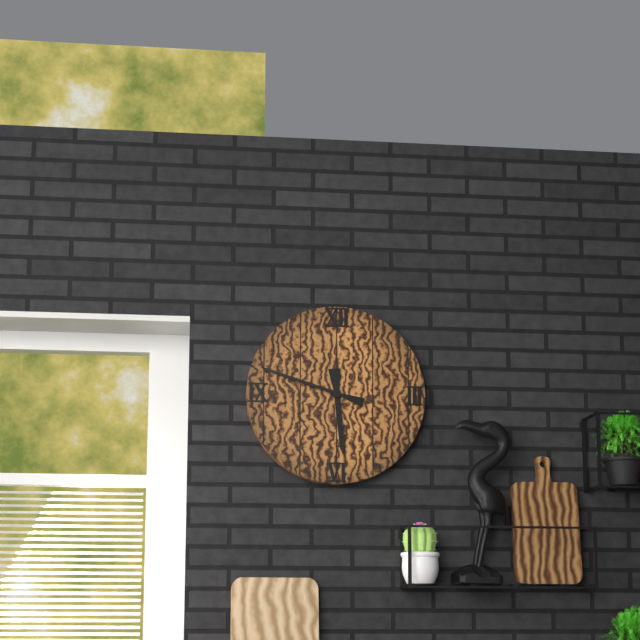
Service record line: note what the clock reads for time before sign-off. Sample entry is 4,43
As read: 5,48
